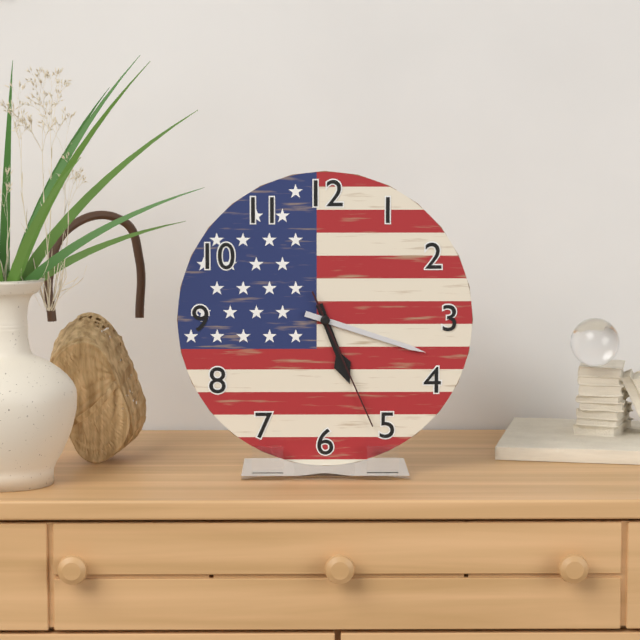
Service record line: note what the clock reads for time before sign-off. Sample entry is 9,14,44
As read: 5,18,26
